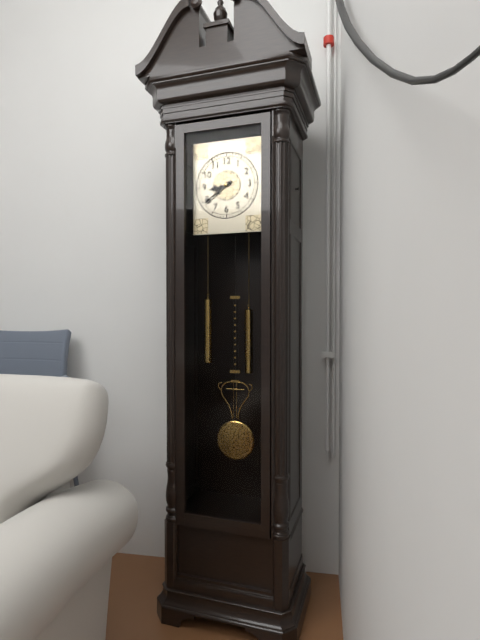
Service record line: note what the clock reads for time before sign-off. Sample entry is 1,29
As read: 8,39
